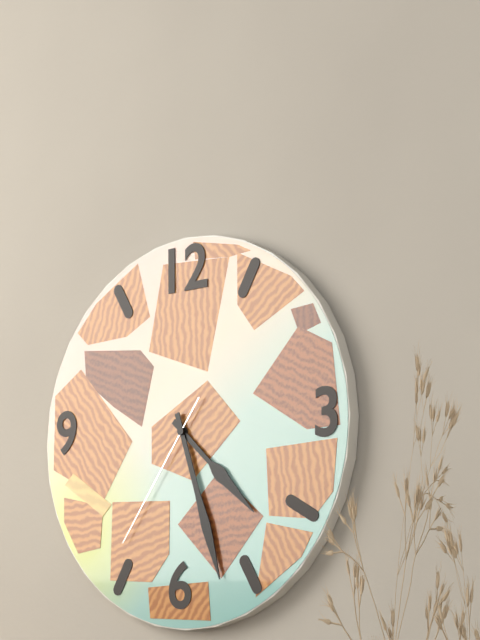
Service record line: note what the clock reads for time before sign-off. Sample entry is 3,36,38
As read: 4,27,36
